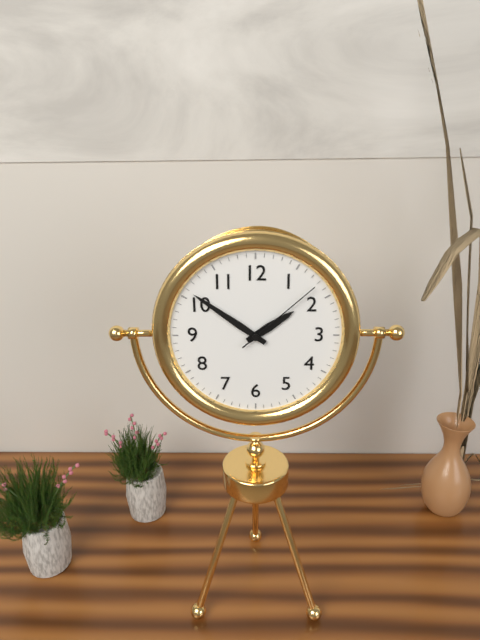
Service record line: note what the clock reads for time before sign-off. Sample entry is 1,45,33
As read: 1,51,08
